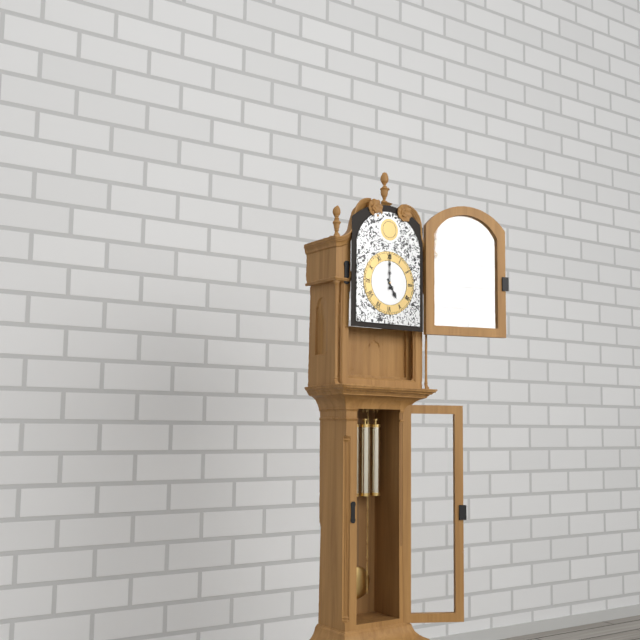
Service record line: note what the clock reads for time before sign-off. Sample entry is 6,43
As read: 5,00
